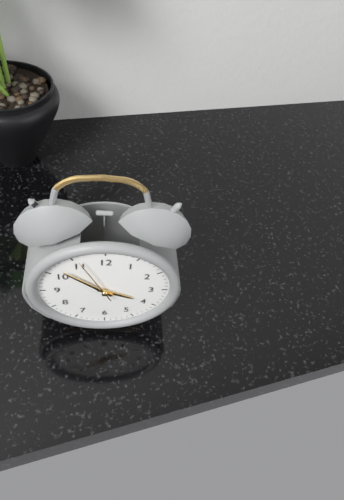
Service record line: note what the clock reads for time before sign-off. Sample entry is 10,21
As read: 3,52
